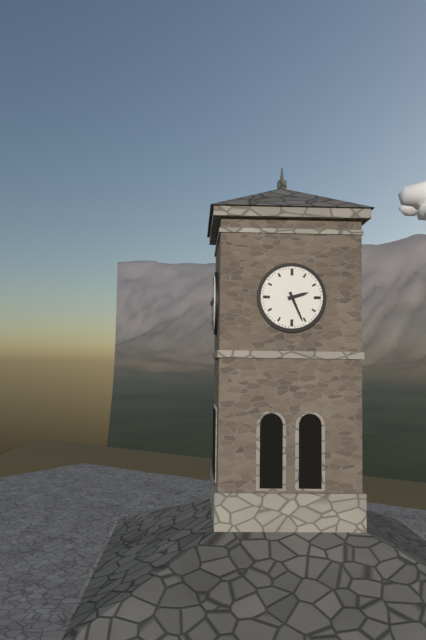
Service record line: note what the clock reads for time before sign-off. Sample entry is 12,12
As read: 2,26
